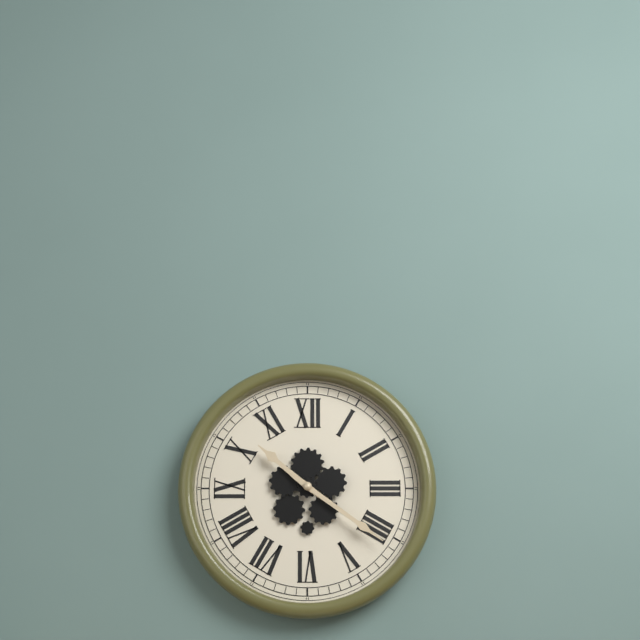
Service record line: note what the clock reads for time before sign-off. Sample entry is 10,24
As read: 10,21
